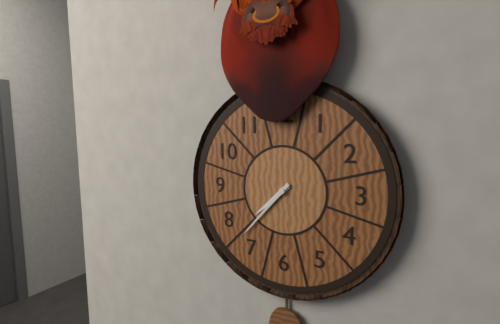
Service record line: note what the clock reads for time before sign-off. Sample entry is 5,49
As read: 7,37
